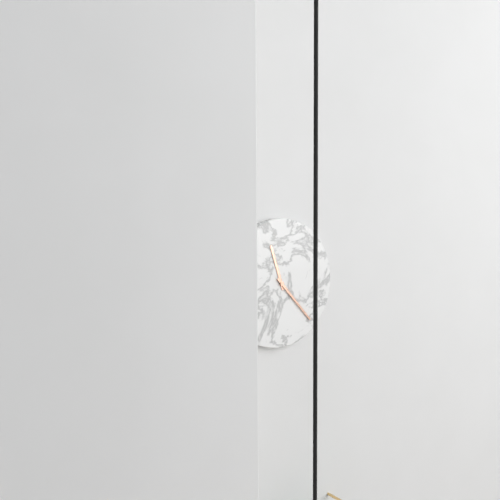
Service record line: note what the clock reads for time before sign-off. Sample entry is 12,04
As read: 11,23
